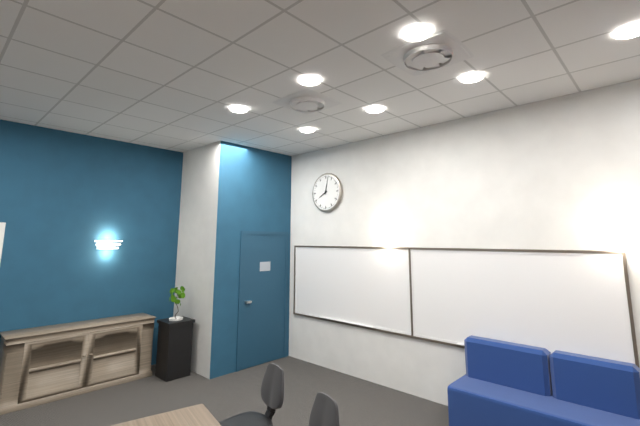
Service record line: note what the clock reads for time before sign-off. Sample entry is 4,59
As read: 8,02
